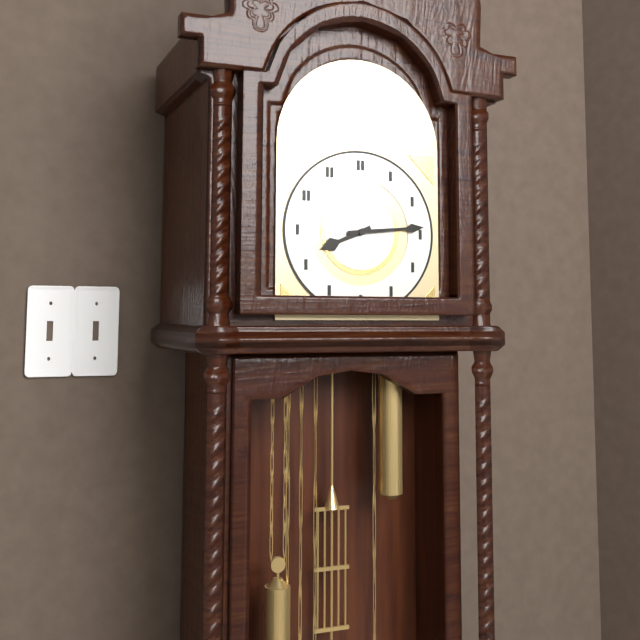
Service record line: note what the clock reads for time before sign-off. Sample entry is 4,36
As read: 8,14
